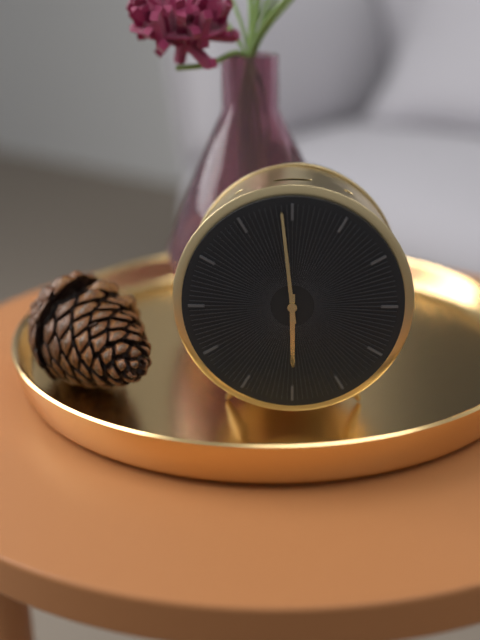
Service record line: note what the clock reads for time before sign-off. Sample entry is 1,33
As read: 5,59
